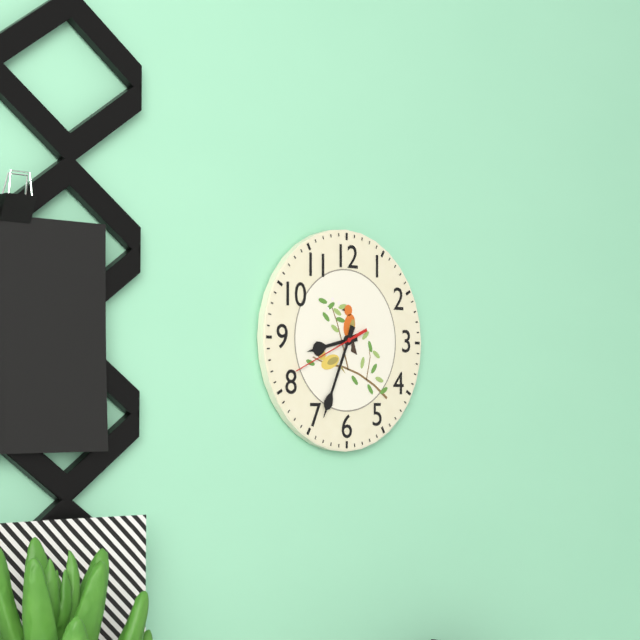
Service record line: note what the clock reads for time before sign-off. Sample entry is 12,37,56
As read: 8,34,41
